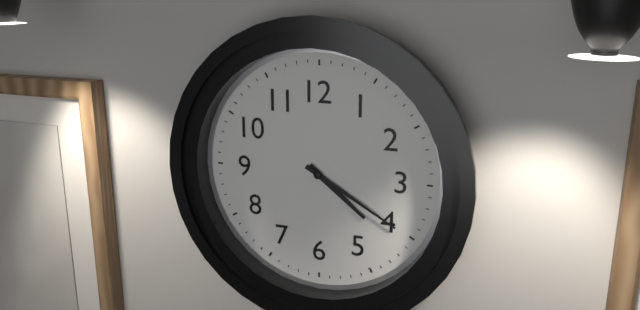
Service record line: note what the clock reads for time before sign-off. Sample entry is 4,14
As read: 4,20
